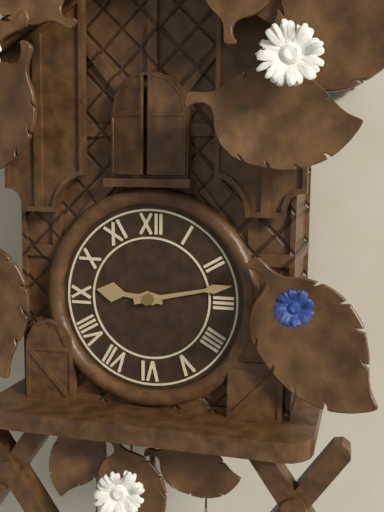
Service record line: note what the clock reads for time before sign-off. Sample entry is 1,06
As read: 9,13
